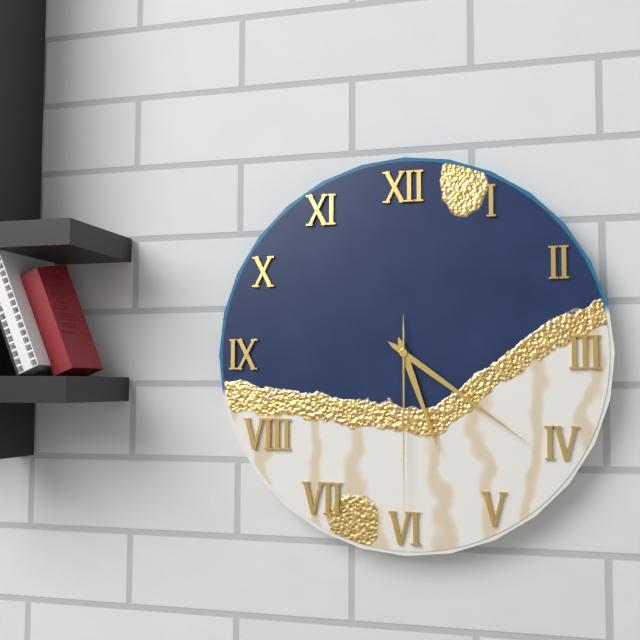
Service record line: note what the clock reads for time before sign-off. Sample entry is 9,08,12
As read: 5,21,30
